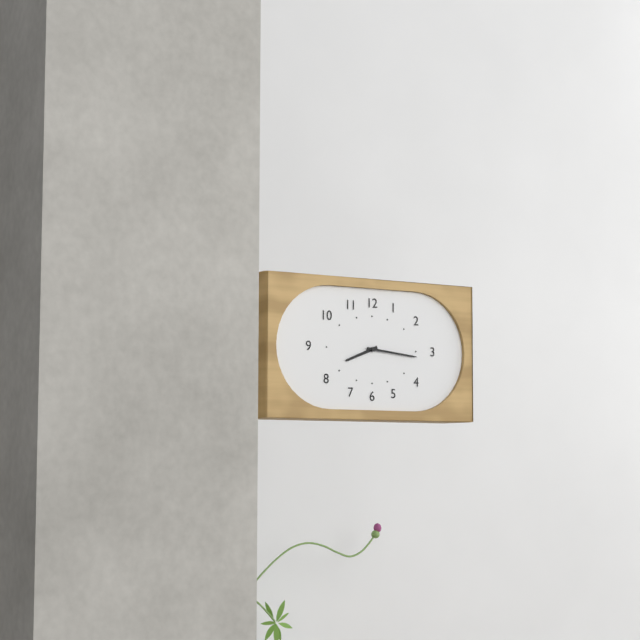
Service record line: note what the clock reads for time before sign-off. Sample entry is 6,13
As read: 8,16
